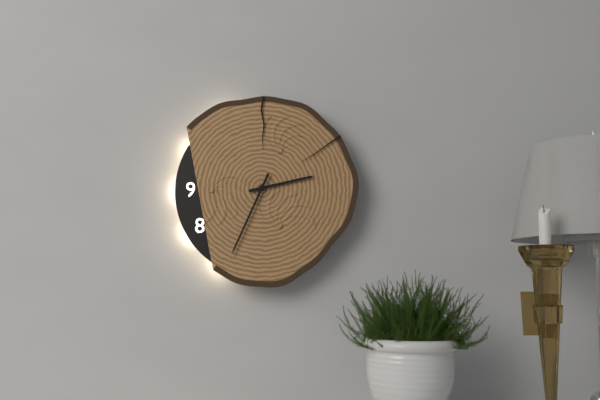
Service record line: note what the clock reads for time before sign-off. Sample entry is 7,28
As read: 2,34
